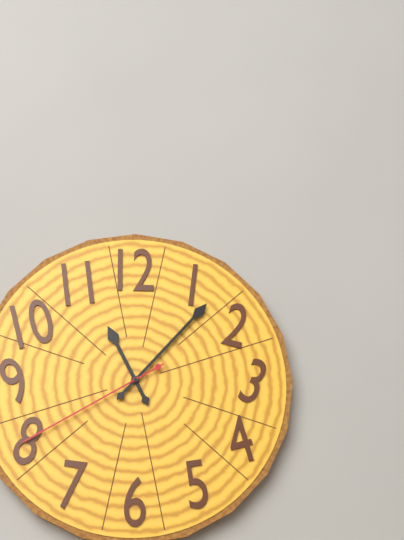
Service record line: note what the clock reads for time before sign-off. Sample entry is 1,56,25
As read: 11,07,40
